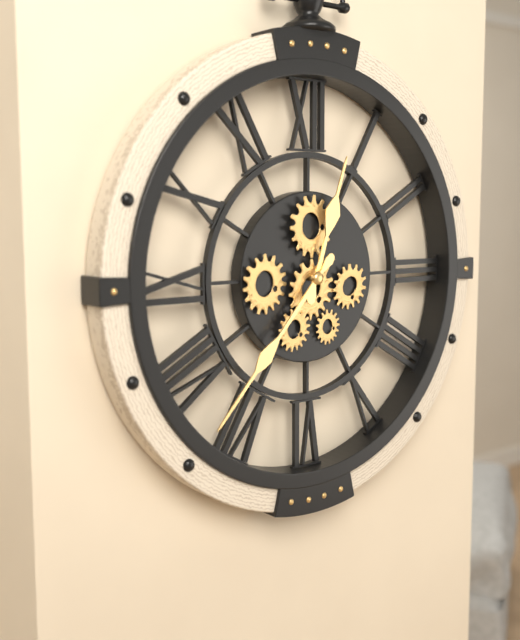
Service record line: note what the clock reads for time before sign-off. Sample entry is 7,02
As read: 12,37
